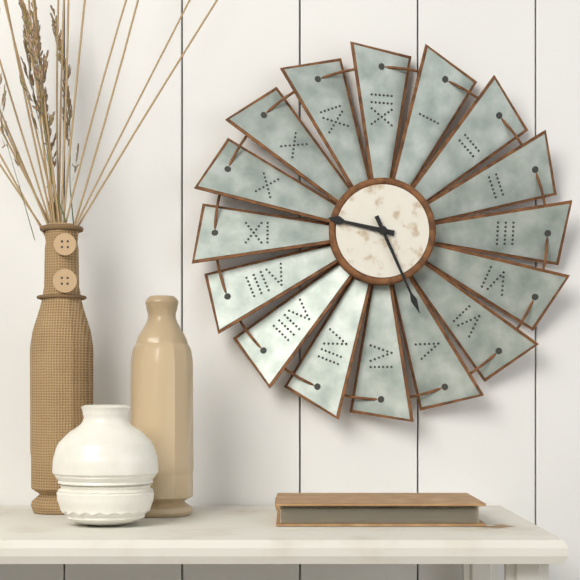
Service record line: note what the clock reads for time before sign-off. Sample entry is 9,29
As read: 9,26
